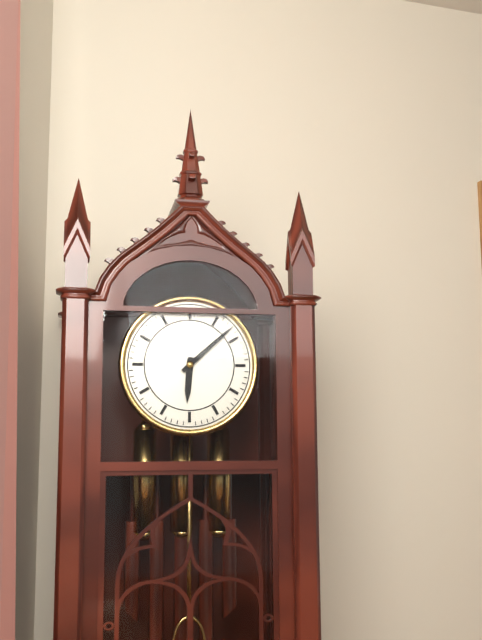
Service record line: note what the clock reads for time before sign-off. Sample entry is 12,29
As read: 6,08
